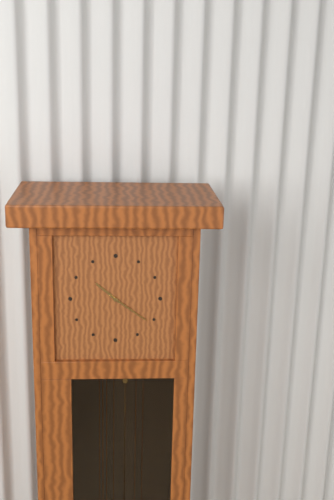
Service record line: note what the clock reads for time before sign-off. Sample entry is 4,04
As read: 10,21
